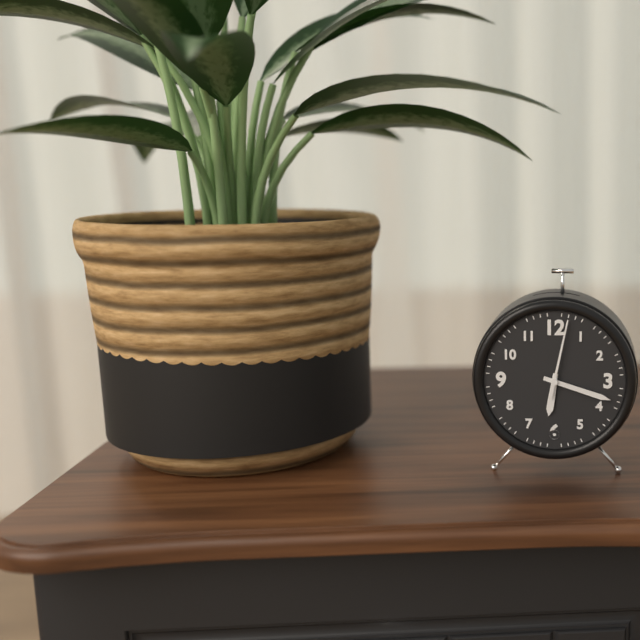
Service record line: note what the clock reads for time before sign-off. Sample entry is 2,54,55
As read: 6,18,02
